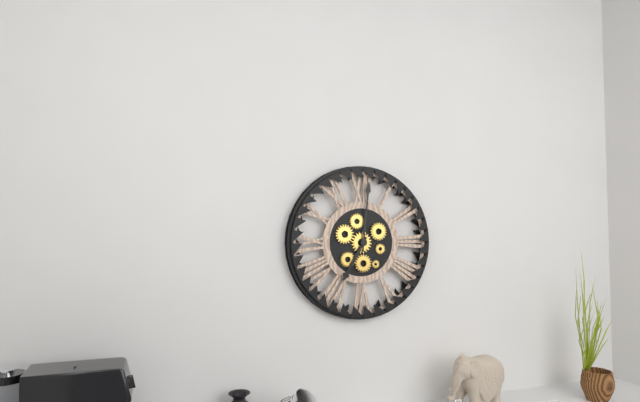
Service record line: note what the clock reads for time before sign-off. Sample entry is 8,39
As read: 7,01
